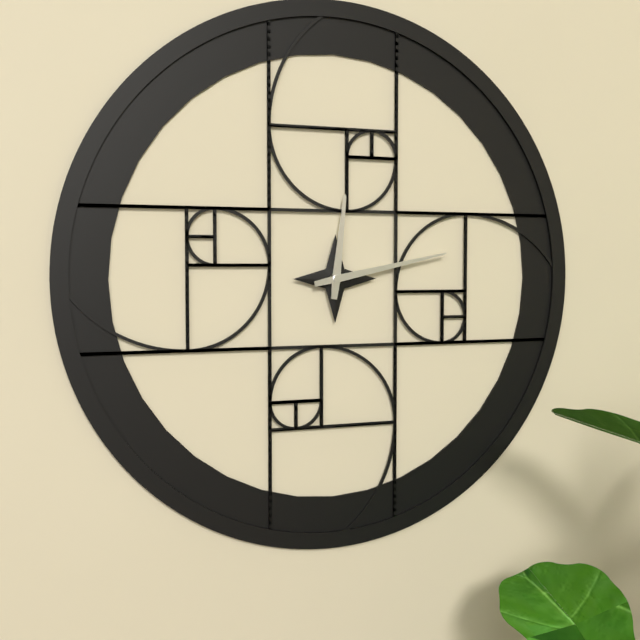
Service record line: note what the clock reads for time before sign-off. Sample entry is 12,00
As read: 12,13
